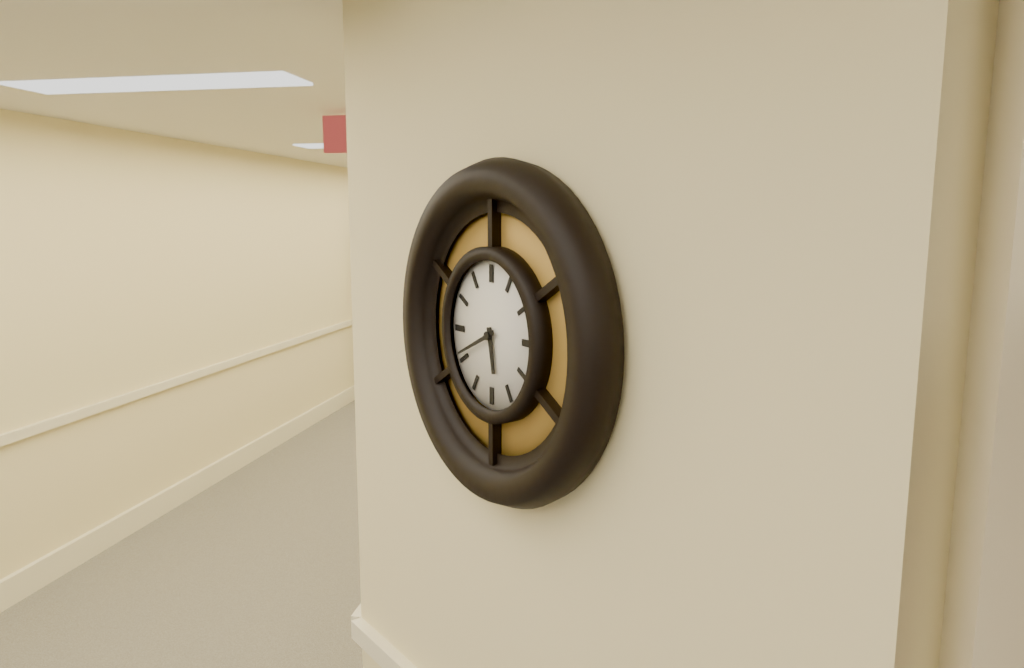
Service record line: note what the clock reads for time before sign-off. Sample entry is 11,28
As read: 5,41
